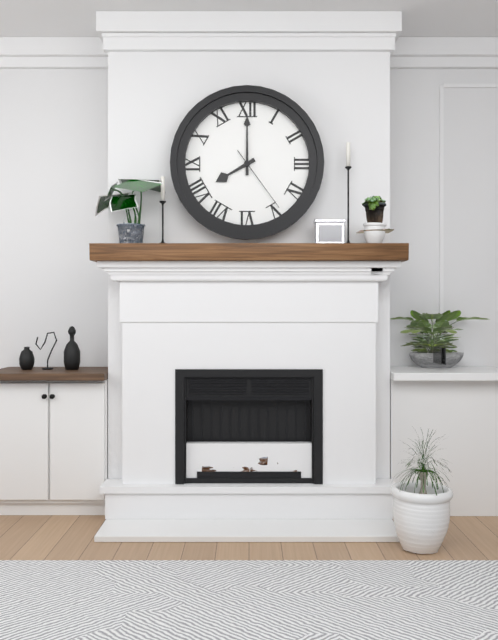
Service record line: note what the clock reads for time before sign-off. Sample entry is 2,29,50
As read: 8,00,24
